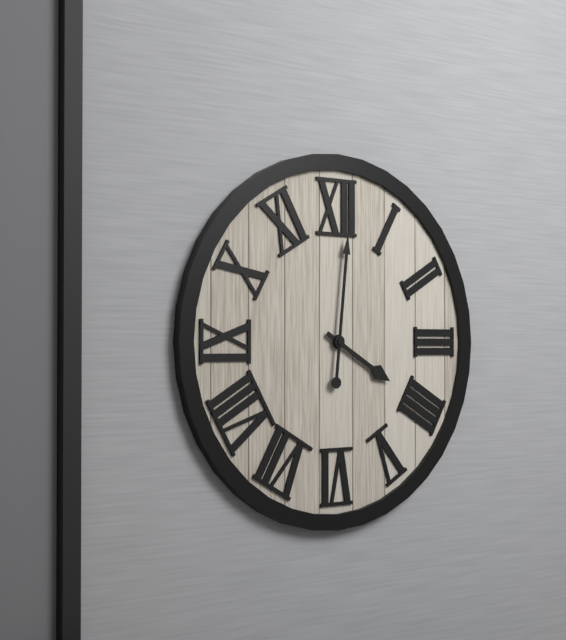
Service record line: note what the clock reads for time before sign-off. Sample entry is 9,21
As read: 4,01
